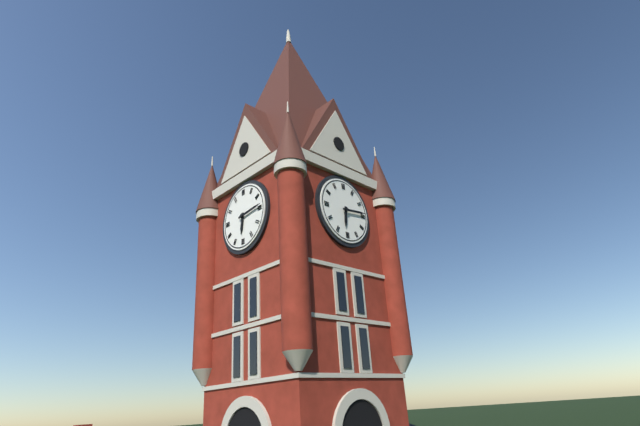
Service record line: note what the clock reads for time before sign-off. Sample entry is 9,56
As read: 6,14
